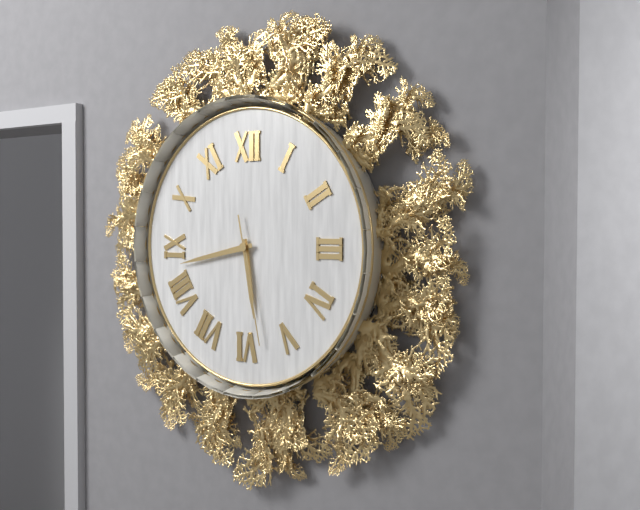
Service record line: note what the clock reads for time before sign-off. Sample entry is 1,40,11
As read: 5,43,28
